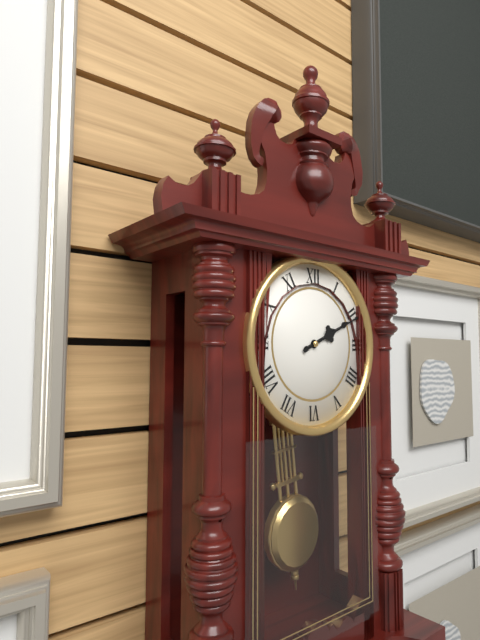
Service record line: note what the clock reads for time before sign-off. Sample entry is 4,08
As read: 2,11
